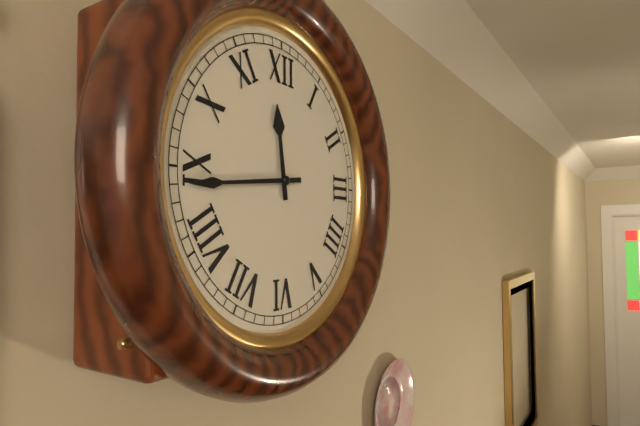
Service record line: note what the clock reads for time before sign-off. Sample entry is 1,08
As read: 11,44
